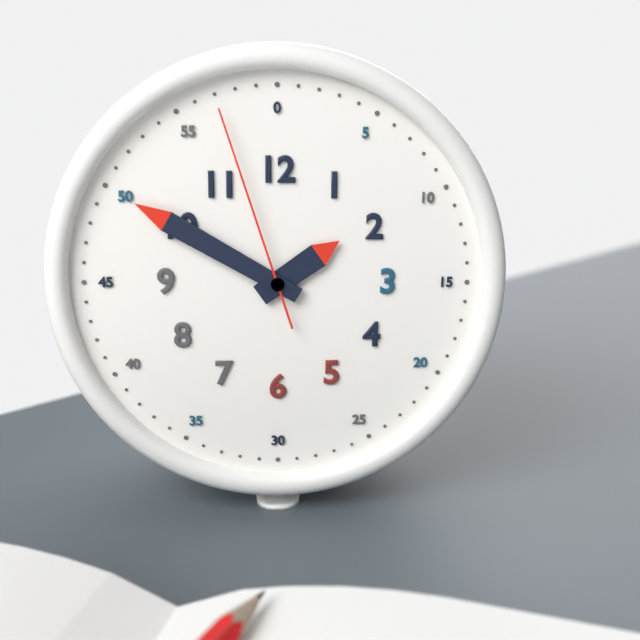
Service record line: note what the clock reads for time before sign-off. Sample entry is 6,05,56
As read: 1,50,57
